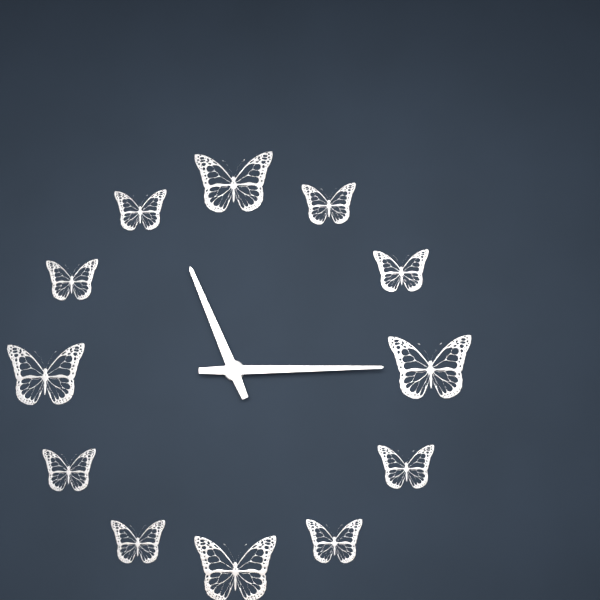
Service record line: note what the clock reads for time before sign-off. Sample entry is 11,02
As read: 11,15
